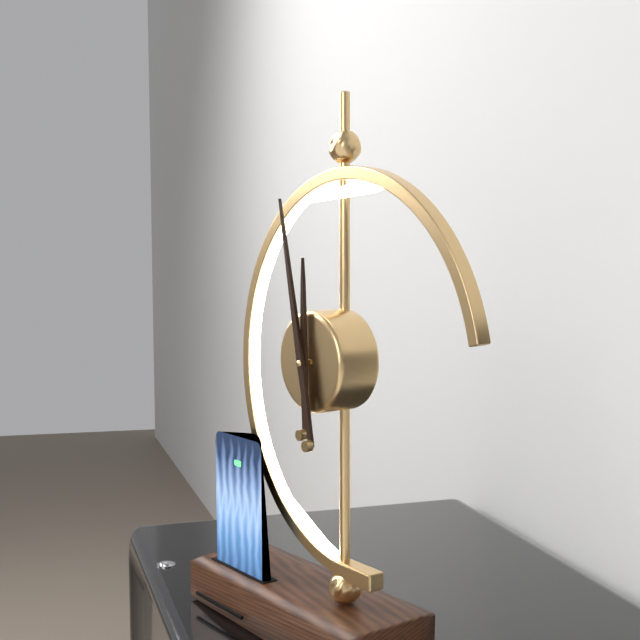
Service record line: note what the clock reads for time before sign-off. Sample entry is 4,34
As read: 11,58
